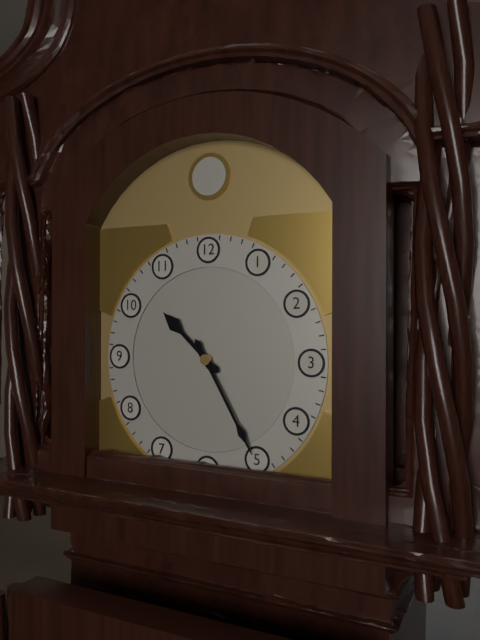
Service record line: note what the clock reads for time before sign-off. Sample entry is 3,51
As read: 10,25
